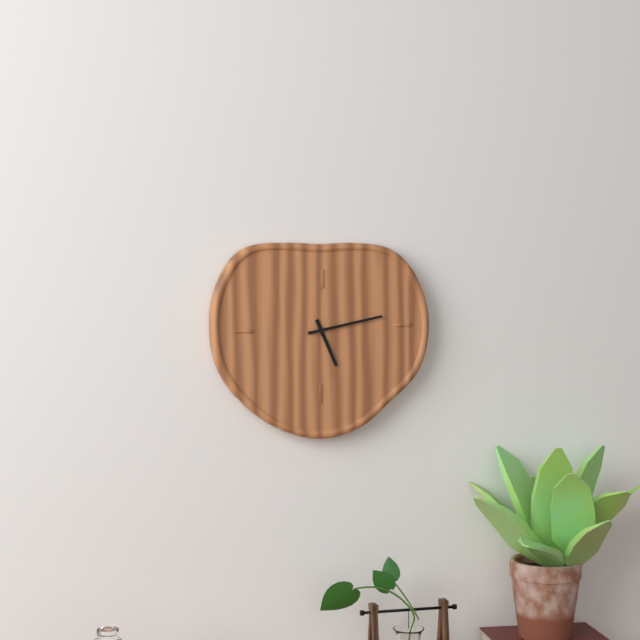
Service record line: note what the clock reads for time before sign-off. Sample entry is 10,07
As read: 5,13
